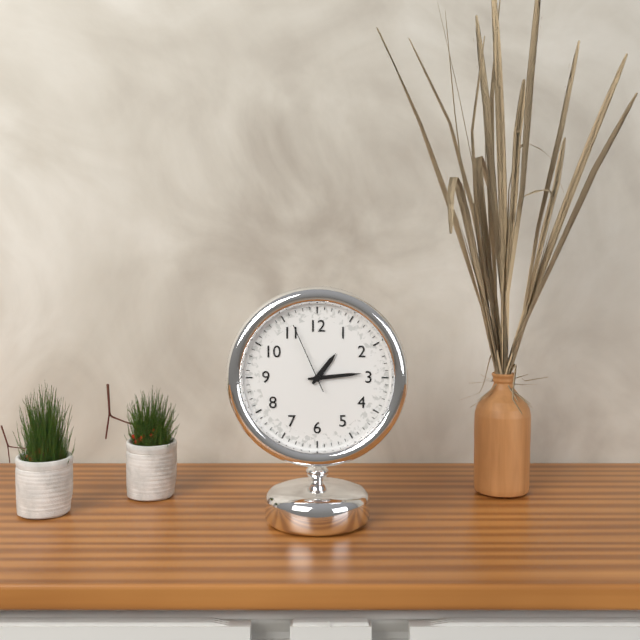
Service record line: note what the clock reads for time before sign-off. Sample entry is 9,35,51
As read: 1,14,56
